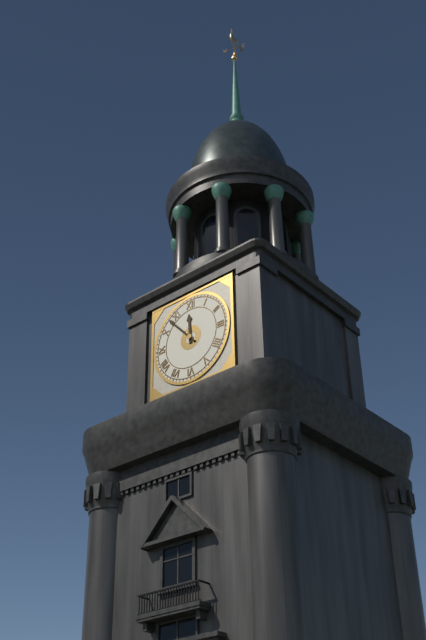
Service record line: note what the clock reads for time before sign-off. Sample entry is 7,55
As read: 11,53
